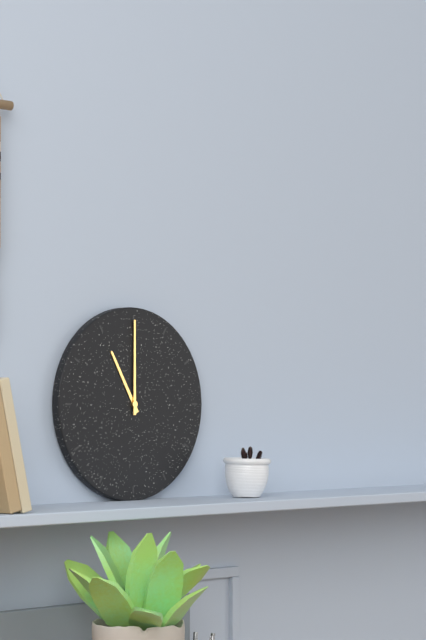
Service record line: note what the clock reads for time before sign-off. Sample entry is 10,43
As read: 11,00
